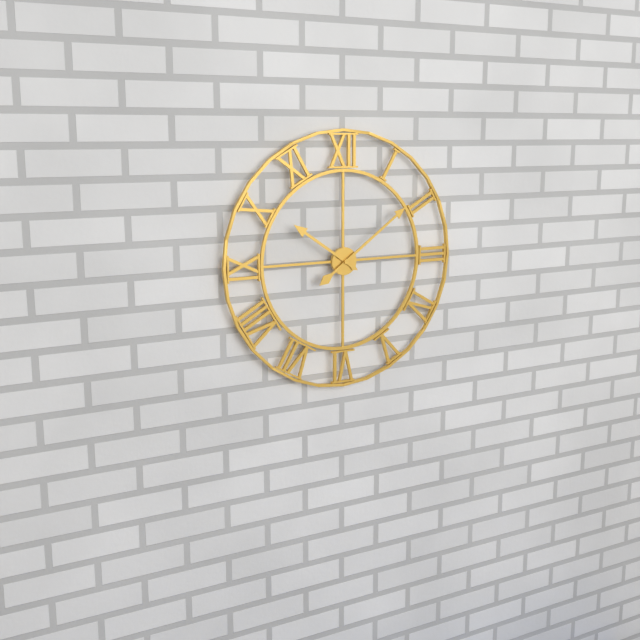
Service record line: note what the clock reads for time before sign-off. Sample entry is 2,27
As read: 10,09
